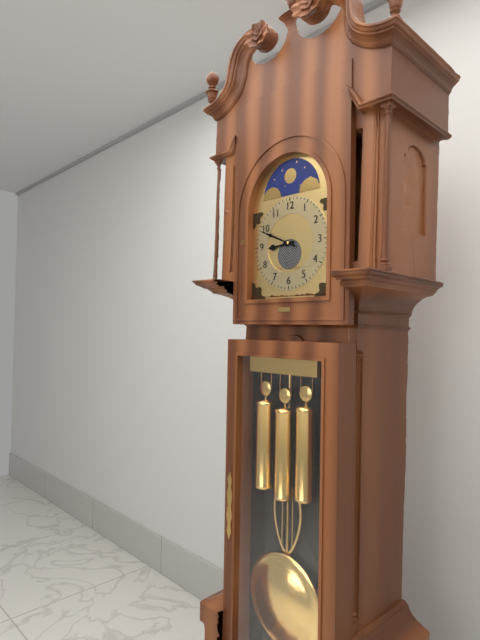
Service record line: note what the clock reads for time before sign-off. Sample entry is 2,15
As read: 8,49
